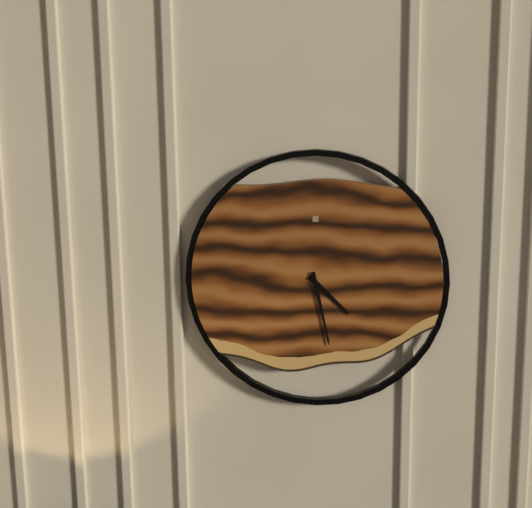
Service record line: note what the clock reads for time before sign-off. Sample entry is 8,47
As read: 4,28
